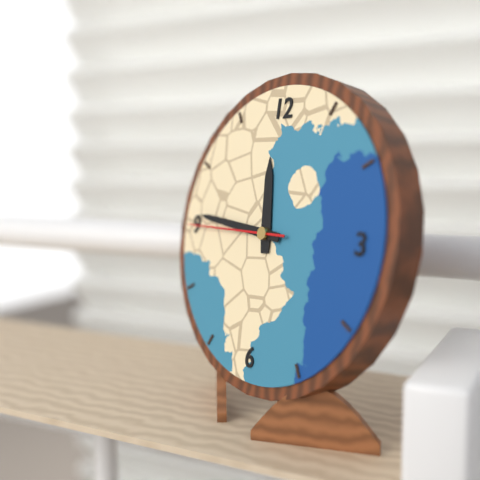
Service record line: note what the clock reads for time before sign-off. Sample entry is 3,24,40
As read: 11,46,45
